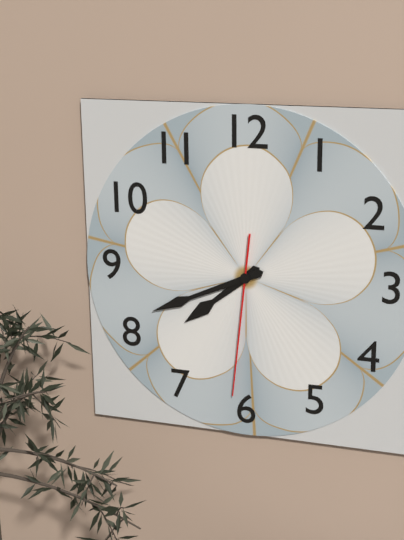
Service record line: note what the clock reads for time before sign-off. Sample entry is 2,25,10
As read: 7,41,31
